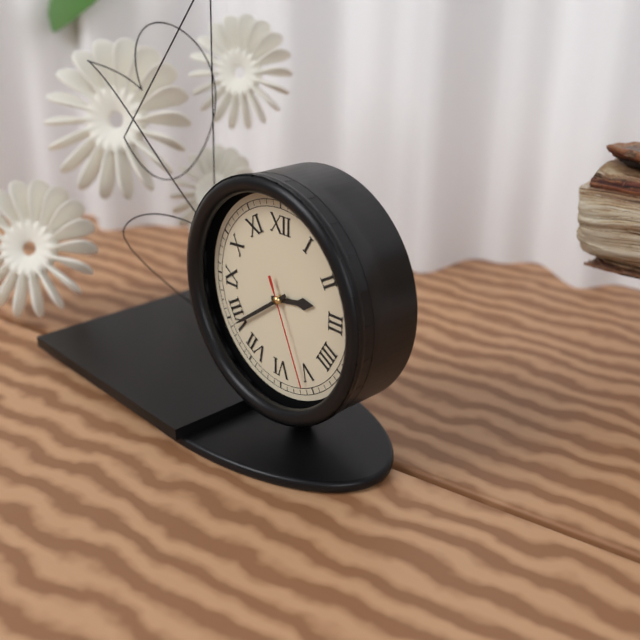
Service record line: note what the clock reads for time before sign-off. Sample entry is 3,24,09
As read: 2,39,26
